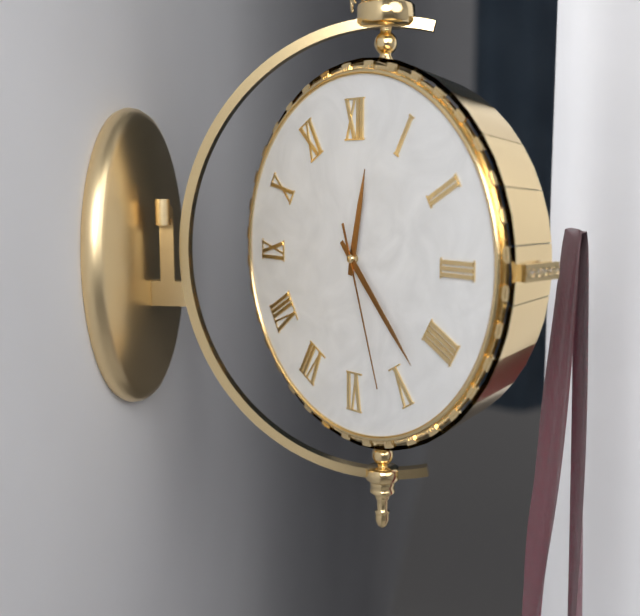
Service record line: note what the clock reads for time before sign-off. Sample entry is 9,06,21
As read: 12,23,27
